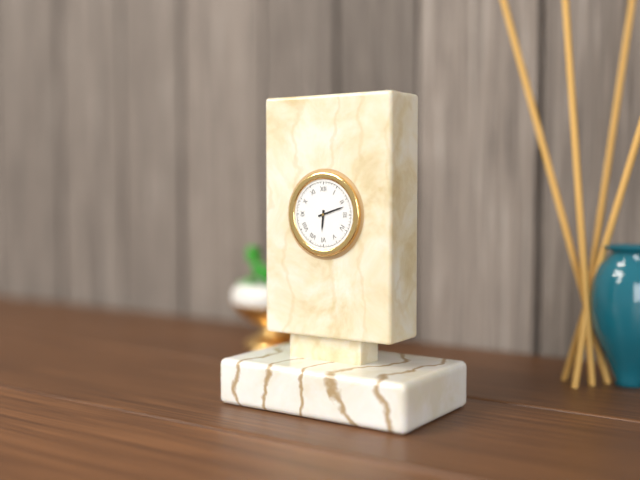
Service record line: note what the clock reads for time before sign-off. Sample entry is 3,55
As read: 6,12
